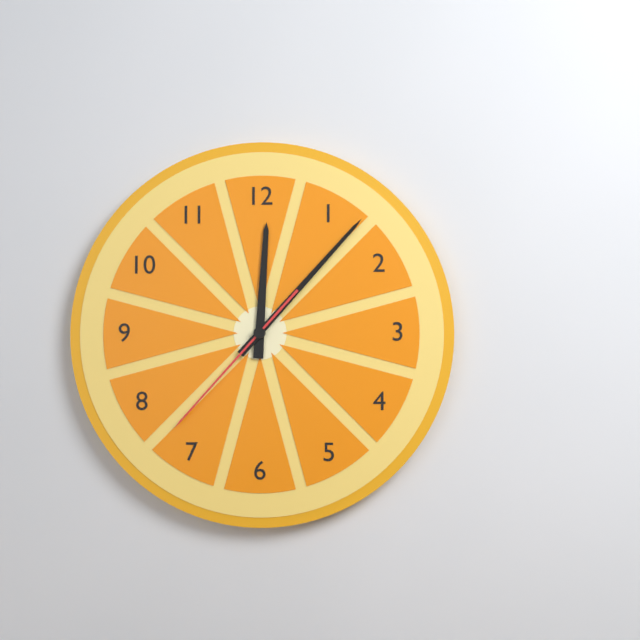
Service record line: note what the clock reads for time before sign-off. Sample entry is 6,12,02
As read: 12,07,37
